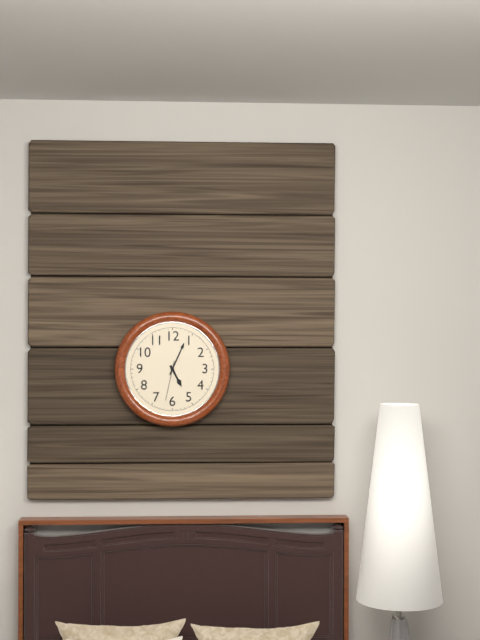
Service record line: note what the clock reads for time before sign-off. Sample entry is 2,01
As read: 5,04
